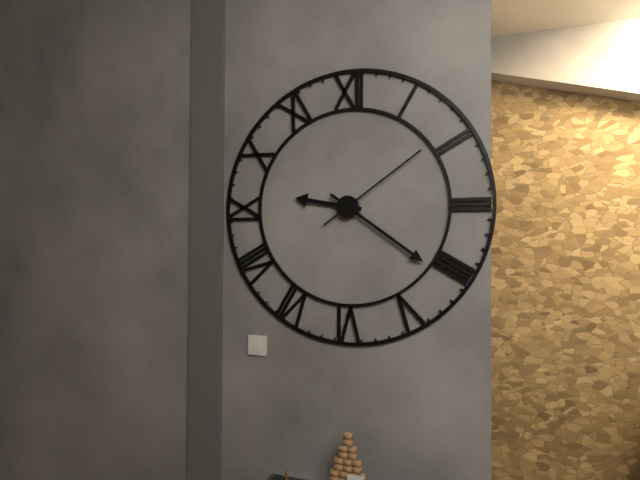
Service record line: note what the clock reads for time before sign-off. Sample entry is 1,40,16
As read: 9,21,09
